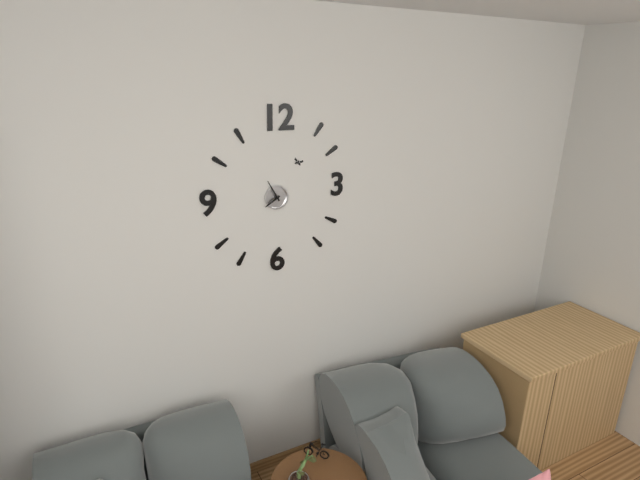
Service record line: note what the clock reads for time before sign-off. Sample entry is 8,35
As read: 7,55
